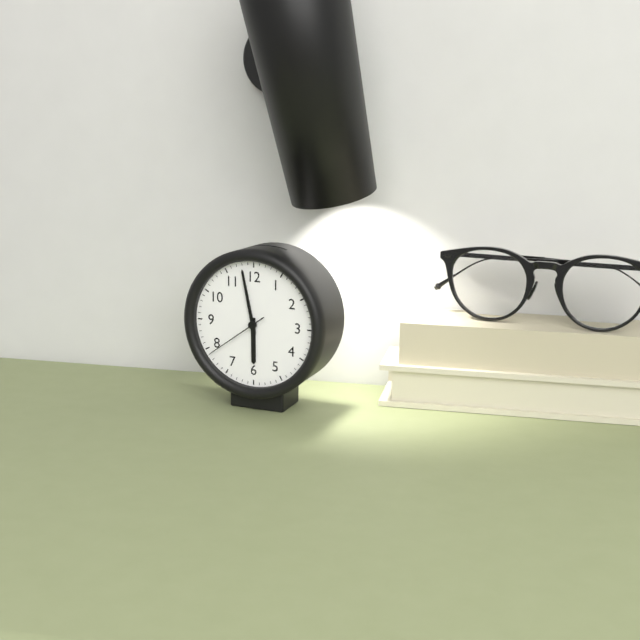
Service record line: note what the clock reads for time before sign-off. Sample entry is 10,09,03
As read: 5,58,39
